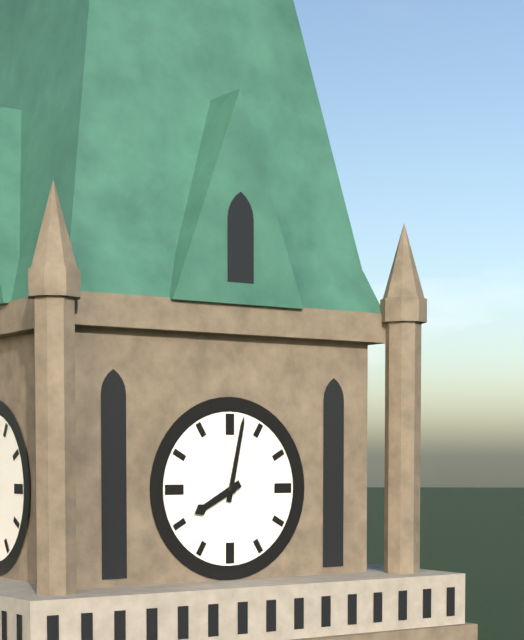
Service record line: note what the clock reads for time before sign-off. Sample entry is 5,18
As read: 8,02
